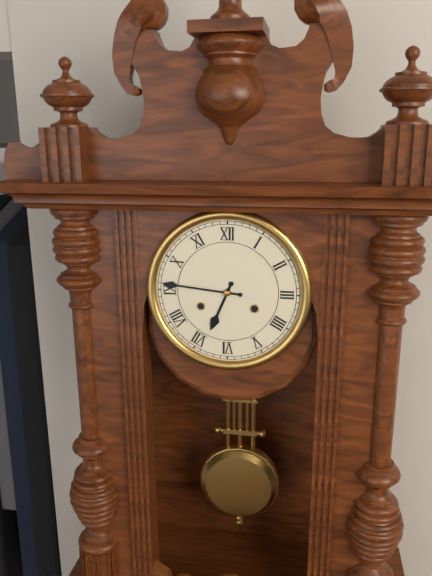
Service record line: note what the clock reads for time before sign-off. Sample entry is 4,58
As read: 6,46
